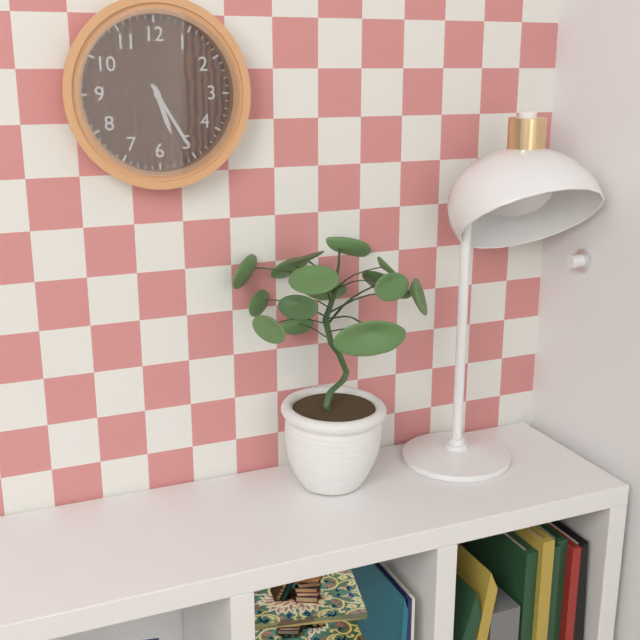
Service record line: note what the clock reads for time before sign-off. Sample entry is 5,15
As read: 5,25
